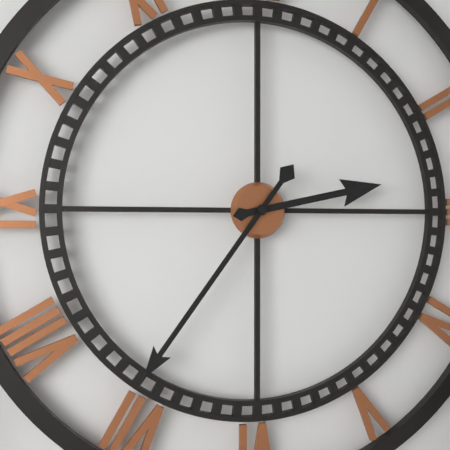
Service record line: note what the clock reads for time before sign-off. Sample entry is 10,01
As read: 2,36
